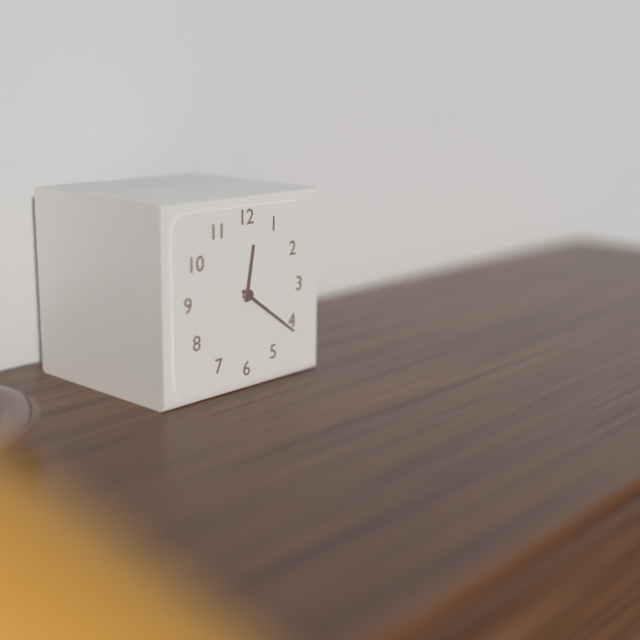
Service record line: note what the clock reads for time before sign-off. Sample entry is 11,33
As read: 12,21
